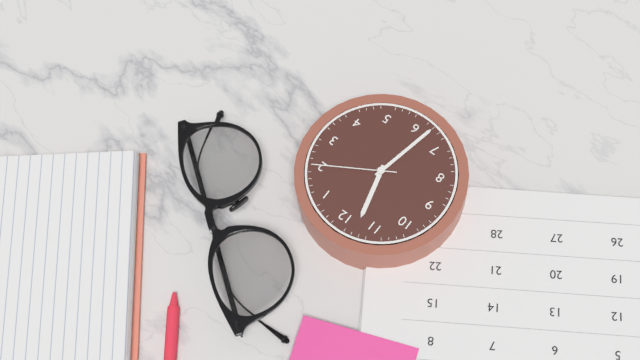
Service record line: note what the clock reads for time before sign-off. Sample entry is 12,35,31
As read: 11,32,10
